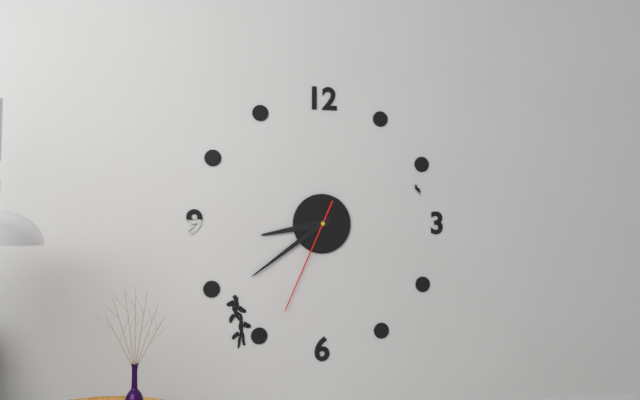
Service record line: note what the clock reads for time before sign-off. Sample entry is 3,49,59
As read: 8,39,34
